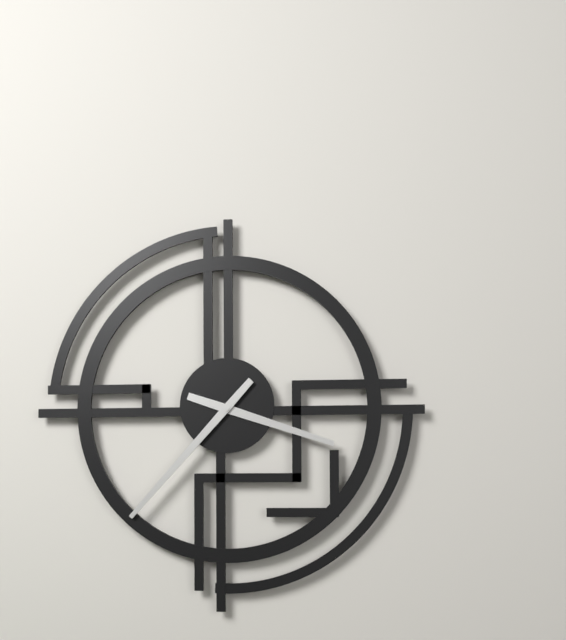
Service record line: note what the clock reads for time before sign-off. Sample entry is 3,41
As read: 3,37
